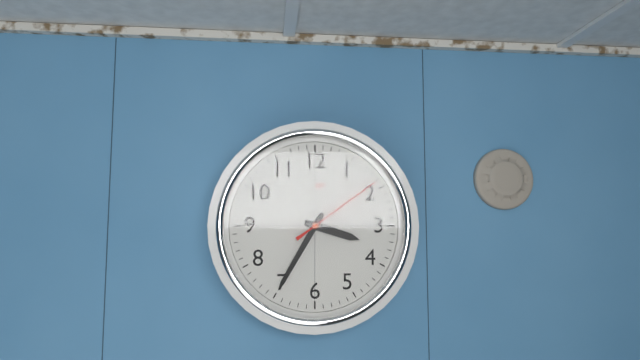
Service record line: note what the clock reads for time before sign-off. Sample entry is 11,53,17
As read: 3,35,09
